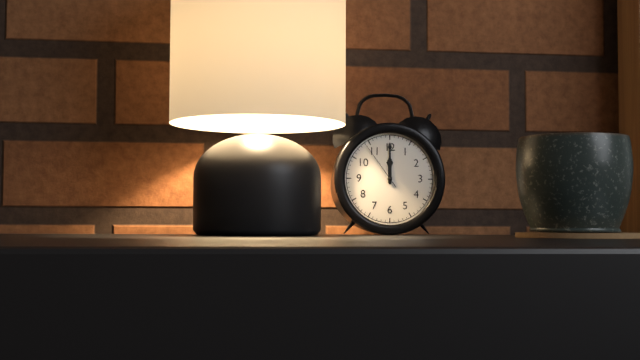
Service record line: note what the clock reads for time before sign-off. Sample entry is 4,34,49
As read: 12,00,54
